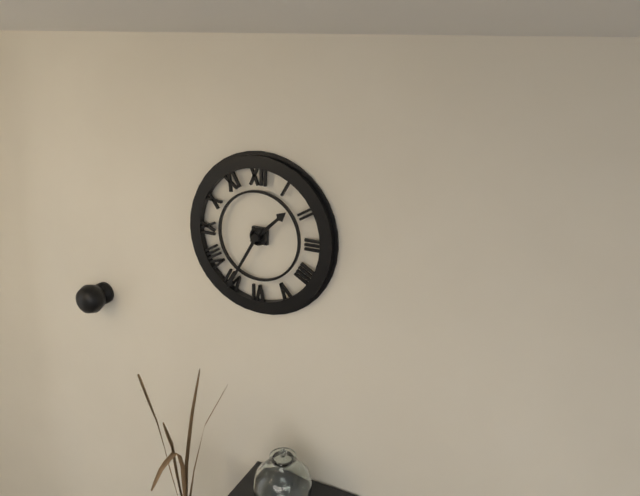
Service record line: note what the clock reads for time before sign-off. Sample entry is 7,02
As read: 1,35
